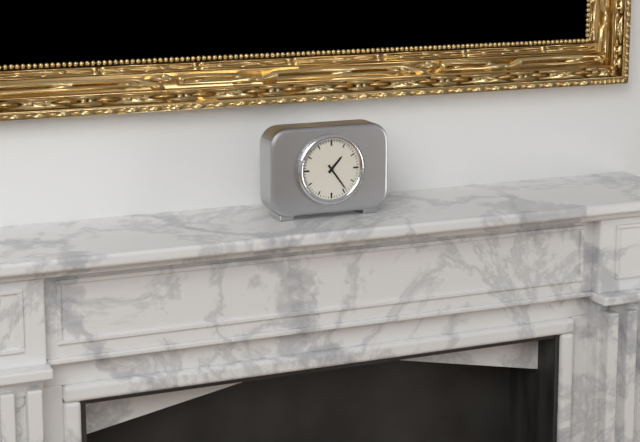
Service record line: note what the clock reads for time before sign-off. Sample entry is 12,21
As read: 1,24
